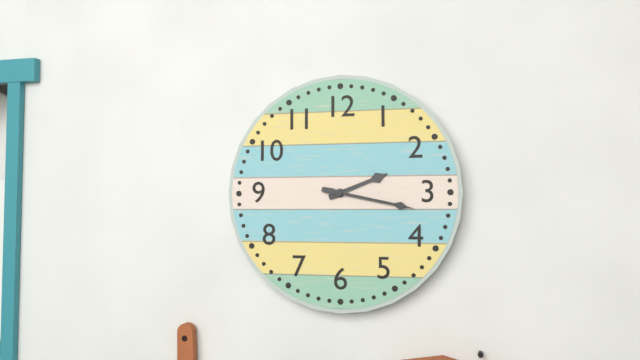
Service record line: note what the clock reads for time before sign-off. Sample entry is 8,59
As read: 2,17
